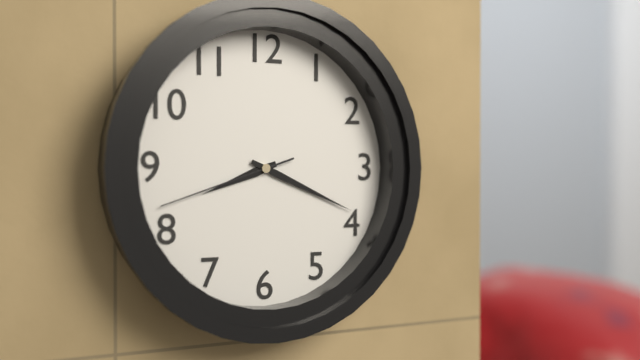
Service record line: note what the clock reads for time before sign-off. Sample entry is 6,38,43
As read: 8,19,42
